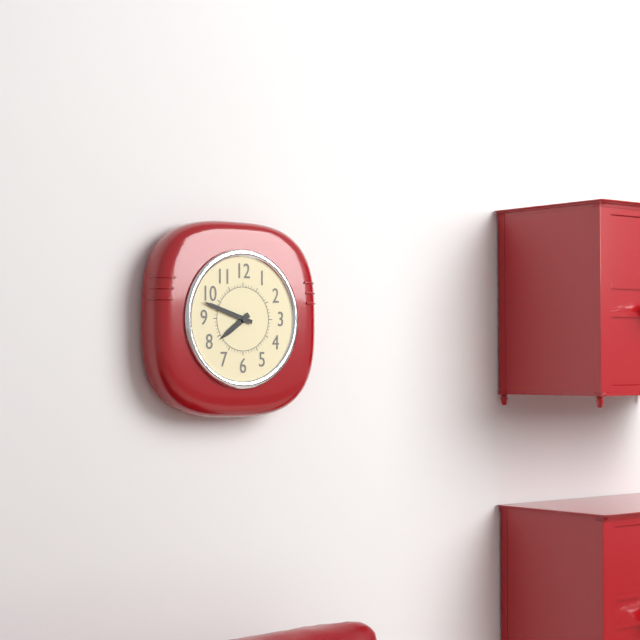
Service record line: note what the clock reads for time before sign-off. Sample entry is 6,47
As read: 7,48
